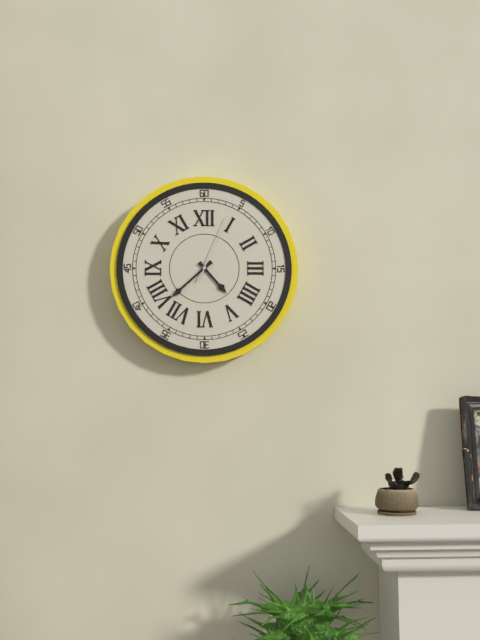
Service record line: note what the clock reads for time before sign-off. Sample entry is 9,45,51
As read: 4,38,04
